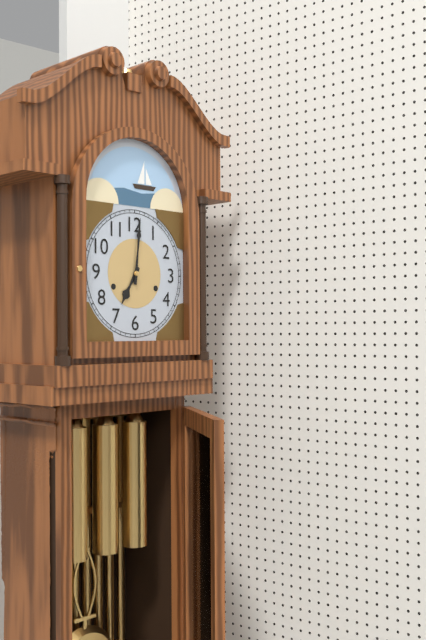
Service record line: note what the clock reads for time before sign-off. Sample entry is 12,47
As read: 7,01
